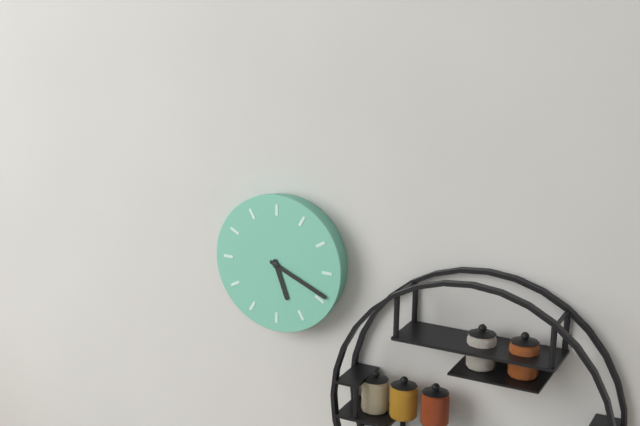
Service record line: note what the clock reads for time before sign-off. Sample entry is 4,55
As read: 5,19
